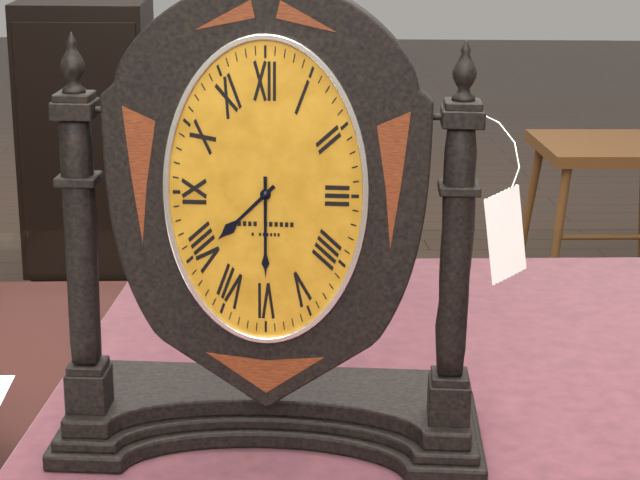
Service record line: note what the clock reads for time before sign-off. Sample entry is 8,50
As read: 7,30
